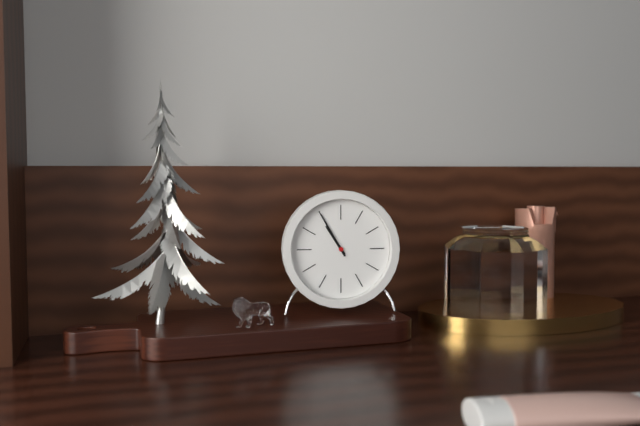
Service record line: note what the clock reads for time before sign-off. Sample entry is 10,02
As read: 10,55
